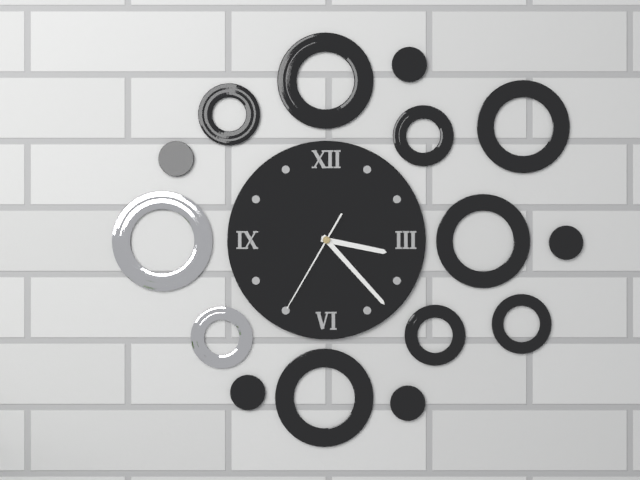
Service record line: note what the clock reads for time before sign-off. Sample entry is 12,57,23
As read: 3,23,35
